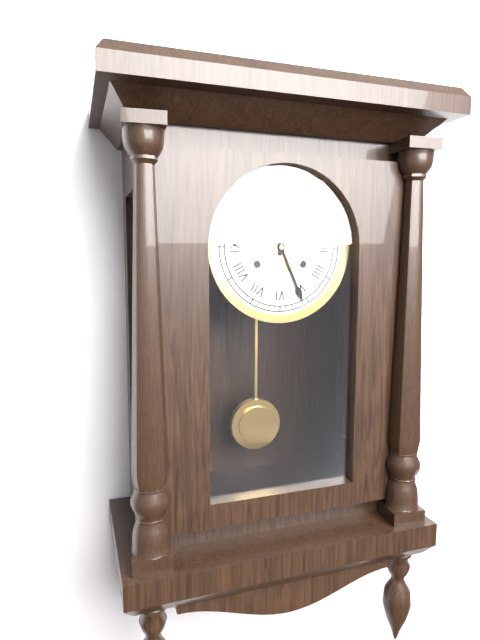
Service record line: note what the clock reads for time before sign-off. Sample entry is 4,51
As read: 12,26
